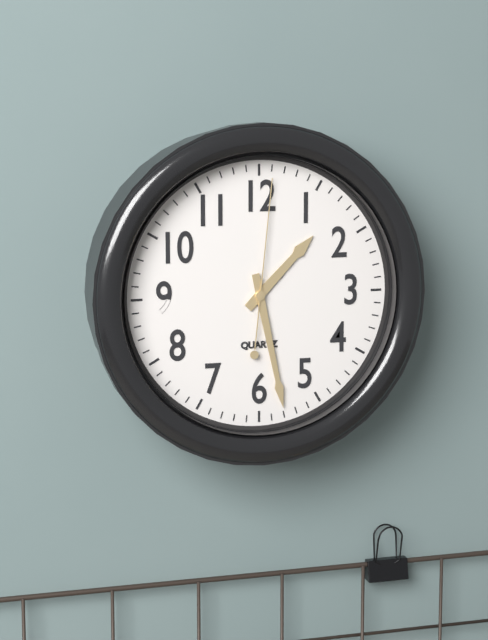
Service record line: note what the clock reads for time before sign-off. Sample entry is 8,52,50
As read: 1,28,01
